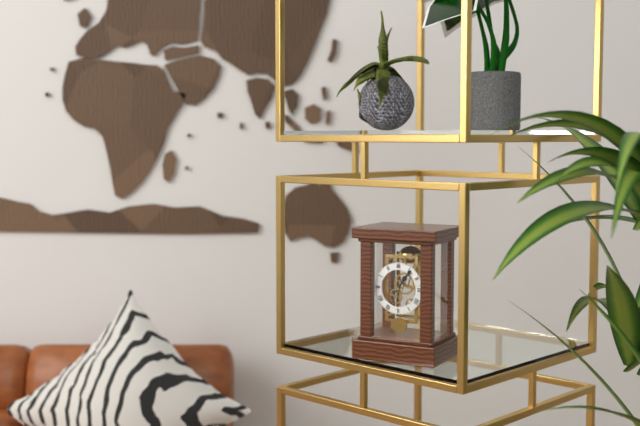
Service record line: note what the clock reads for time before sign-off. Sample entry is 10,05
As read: 1,06
